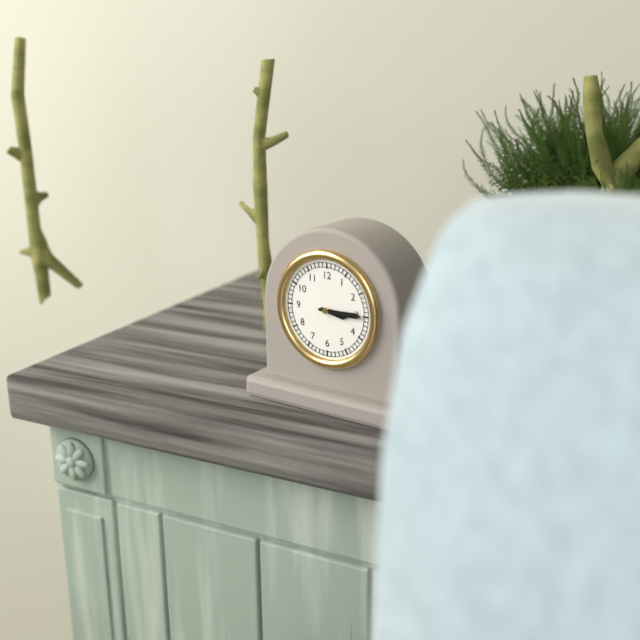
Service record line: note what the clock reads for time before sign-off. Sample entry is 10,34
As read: 3,15
